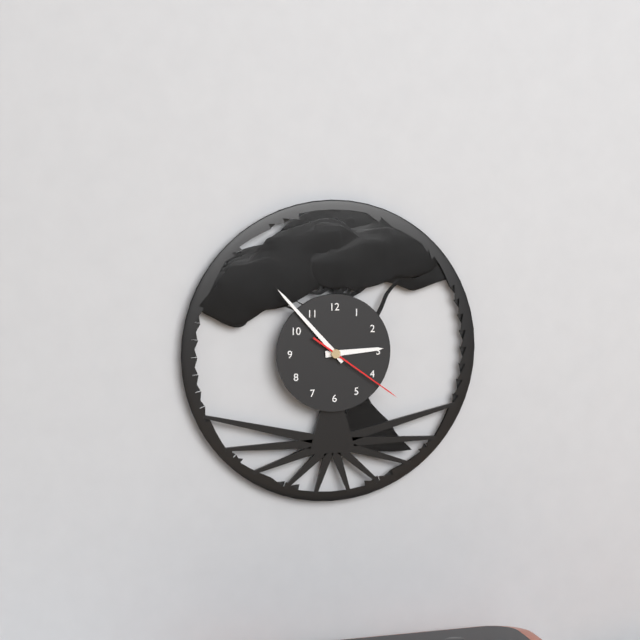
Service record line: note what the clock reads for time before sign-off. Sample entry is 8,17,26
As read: 2,53,21
